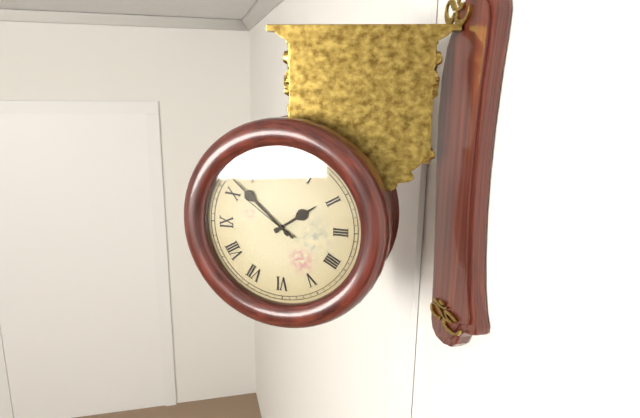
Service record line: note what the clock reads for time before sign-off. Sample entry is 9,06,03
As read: 1,52,51
